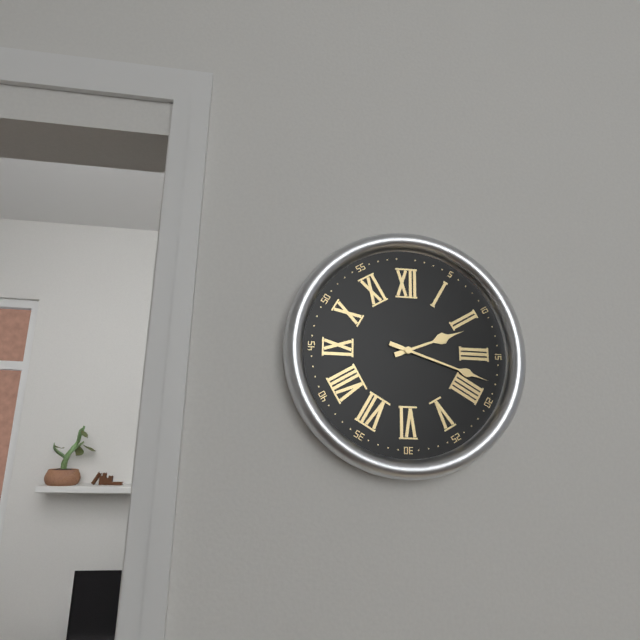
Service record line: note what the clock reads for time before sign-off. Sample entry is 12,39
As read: 2,18
